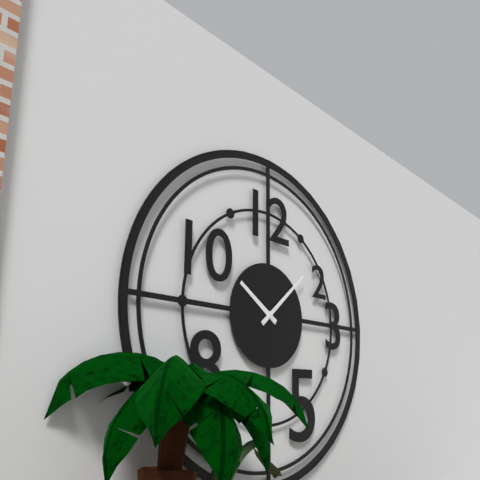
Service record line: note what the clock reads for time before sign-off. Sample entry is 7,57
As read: 10,08
